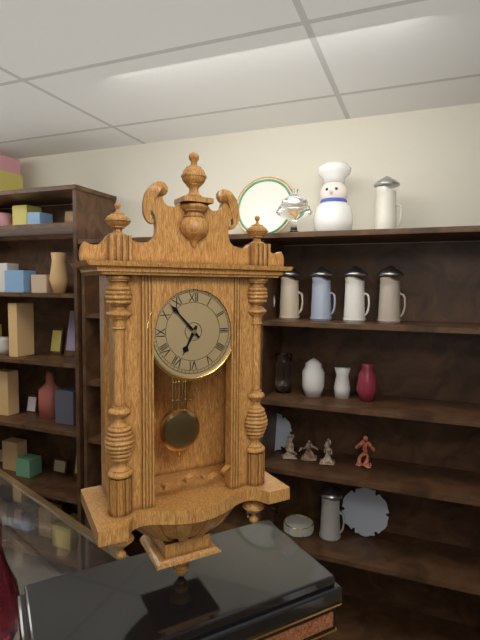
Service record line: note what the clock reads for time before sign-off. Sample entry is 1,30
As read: 6,53
